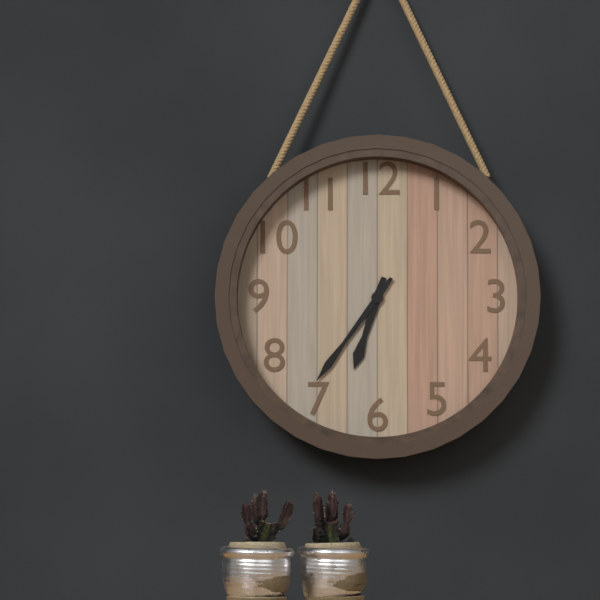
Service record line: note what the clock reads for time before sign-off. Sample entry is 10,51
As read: 6,36
